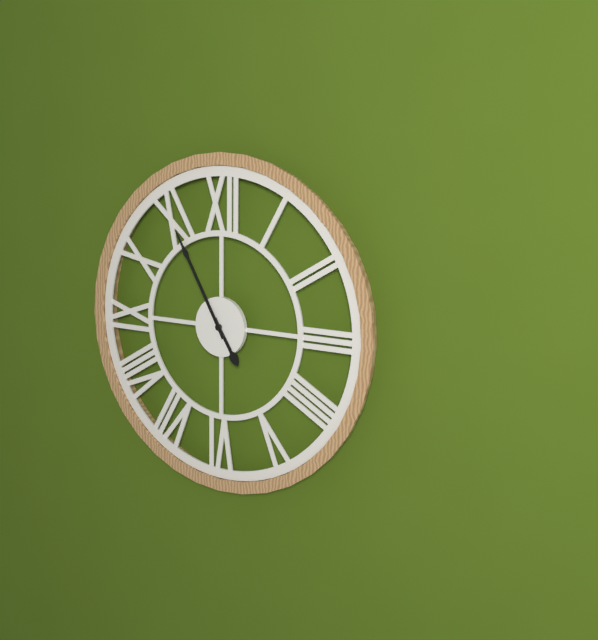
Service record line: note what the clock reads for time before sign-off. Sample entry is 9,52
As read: 4,55
